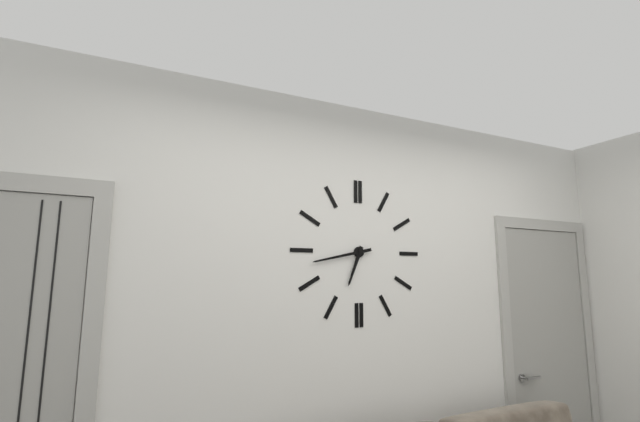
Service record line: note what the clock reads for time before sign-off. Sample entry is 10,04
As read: 6,43
